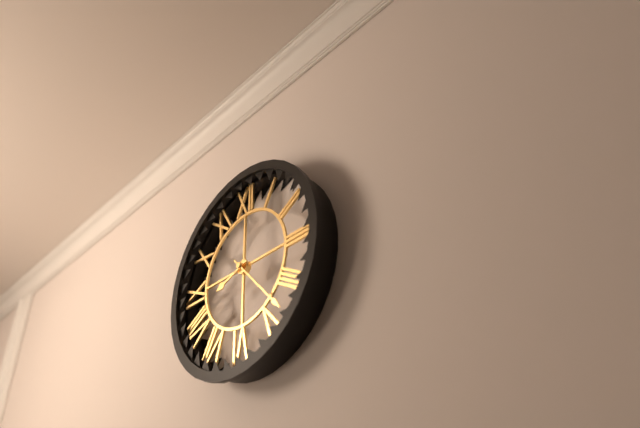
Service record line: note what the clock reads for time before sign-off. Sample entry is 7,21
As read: 8,23
